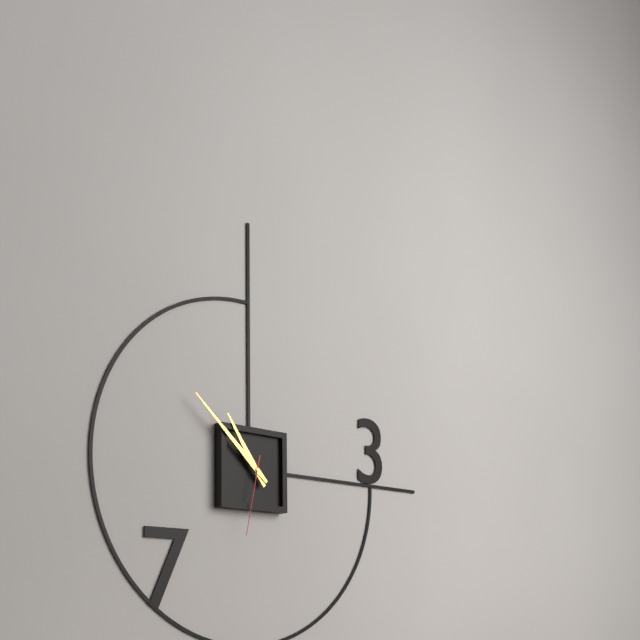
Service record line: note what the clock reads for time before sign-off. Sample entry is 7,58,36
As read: 10,52,32
